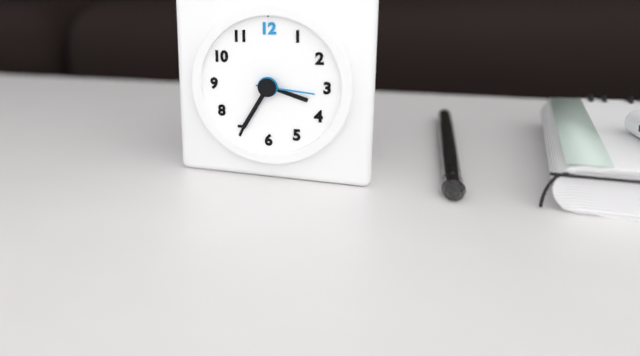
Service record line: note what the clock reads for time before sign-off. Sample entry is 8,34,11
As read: 3,35,16
